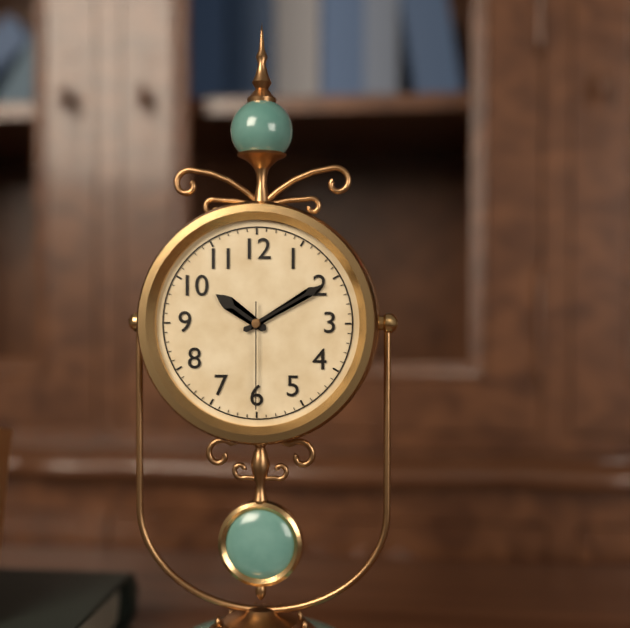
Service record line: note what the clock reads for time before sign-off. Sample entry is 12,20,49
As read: 10,10,30
